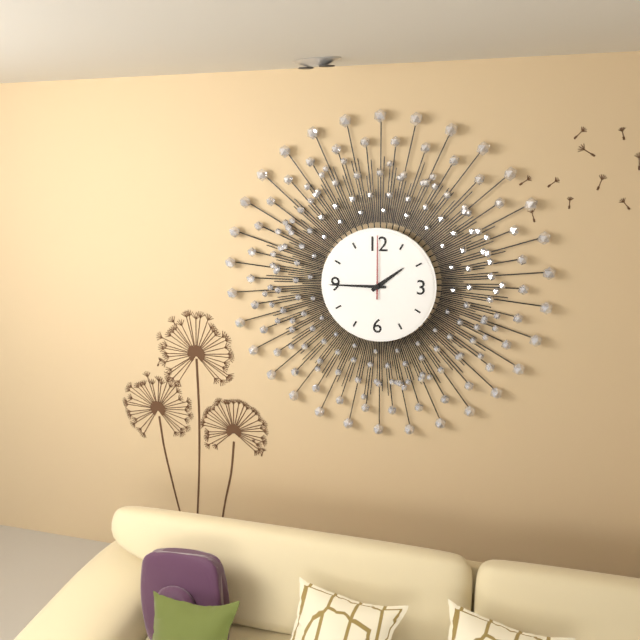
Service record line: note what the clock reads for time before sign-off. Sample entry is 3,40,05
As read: 1,45,00
